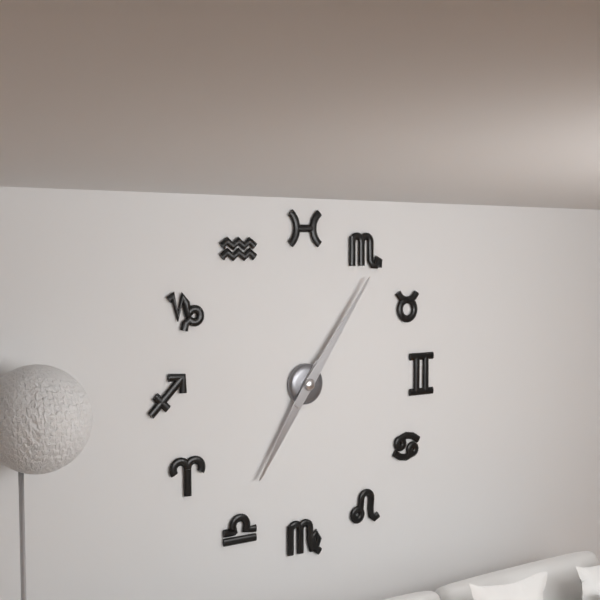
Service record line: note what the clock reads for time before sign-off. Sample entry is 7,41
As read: 7,06
